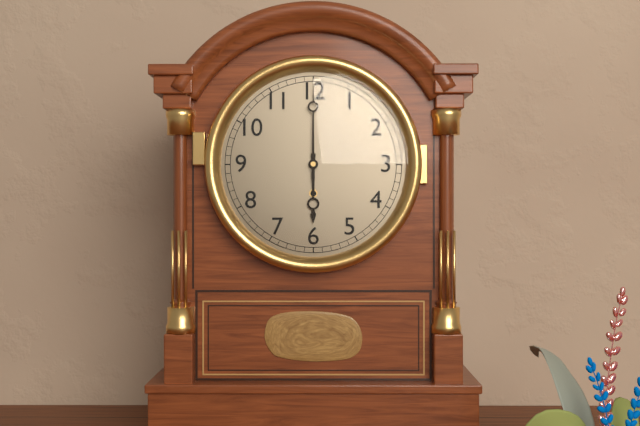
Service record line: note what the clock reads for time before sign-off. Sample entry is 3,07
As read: 6,00
